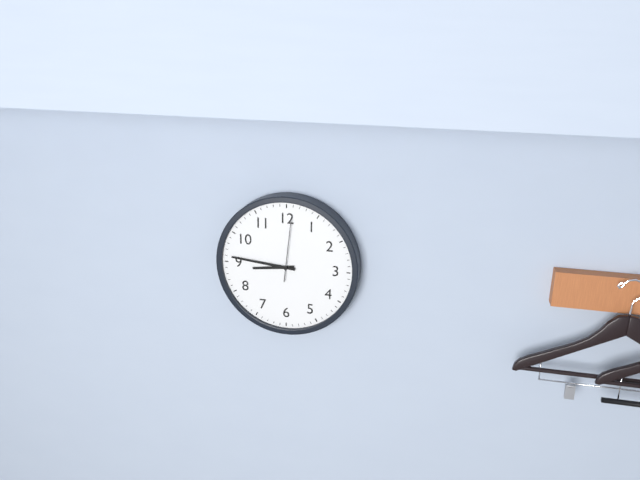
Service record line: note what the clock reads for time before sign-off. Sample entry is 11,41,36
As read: 8,46,01
